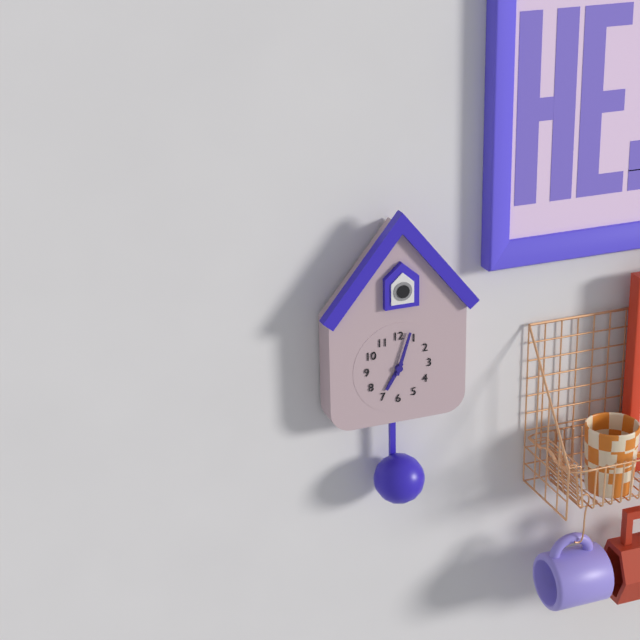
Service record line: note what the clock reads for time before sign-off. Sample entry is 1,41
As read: 7,03
